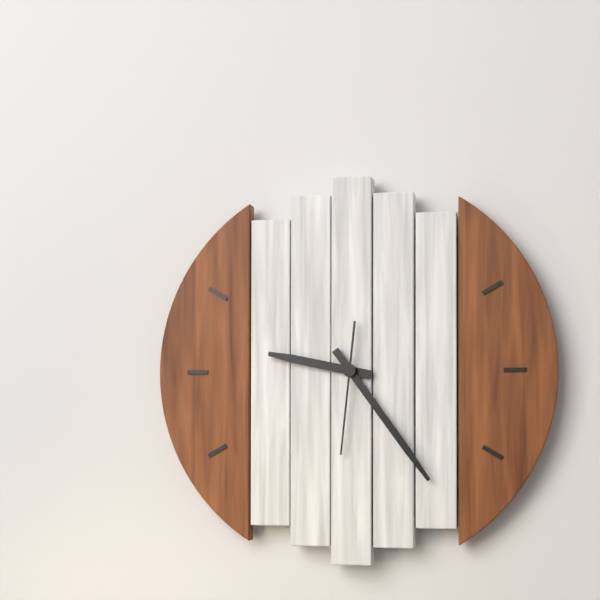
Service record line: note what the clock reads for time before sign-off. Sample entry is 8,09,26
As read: 9,24,31
